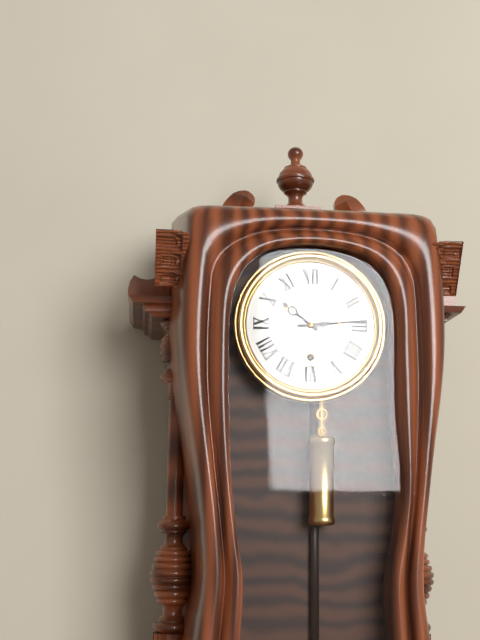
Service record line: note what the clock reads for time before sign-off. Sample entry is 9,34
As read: 10,14
